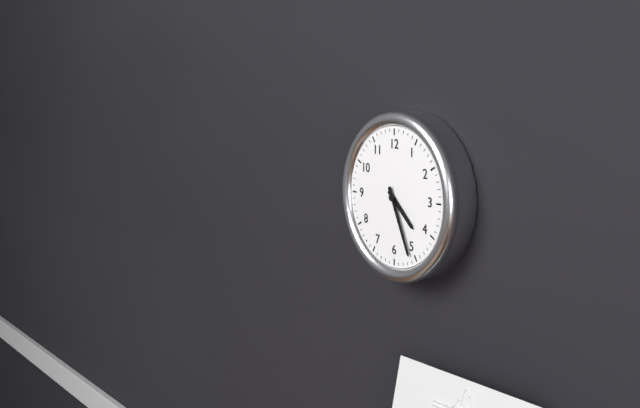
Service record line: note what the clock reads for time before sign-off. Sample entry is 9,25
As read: 4,26
